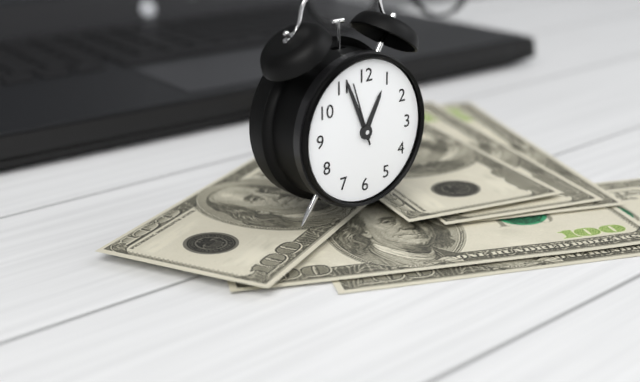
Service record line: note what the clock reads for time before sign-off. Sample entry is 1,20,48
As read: 12,56,57
